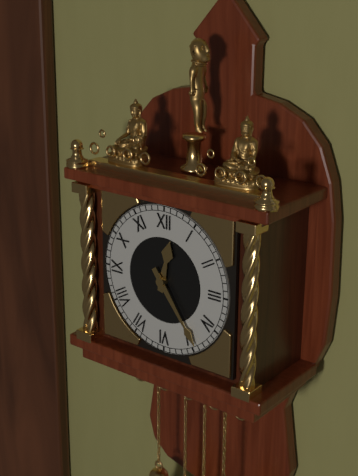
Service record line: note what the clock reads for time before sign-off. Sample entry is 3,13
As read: 12,24
